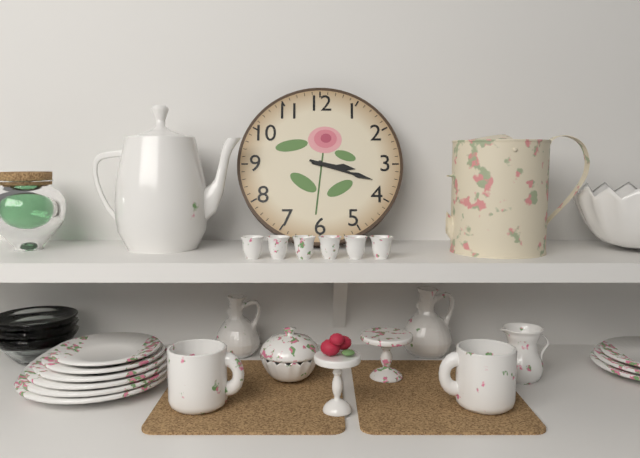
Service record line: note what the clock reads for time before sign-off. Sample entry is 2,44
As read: 3,18
